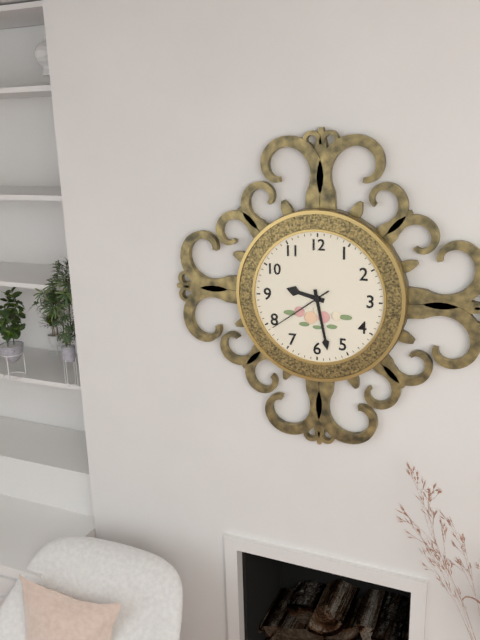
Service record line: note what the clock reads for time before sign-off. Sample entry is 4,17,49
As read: 9,28,39
